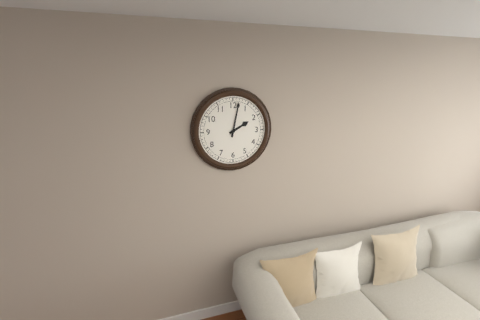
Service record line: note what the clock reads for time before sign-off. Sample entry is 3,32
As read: 2,02
